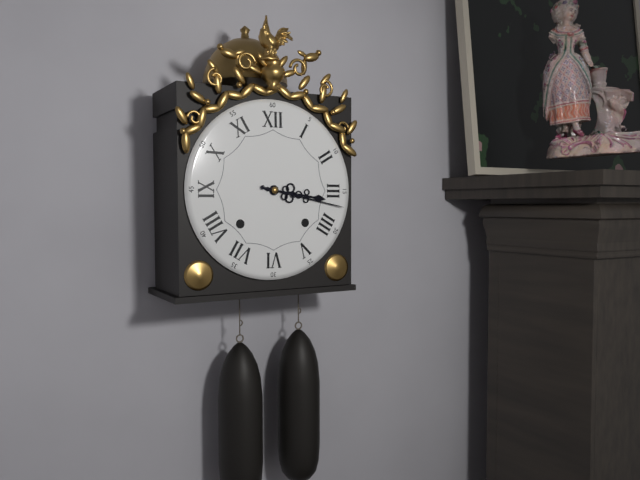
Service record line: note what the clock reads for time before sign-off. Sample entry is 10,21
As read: 3,17
